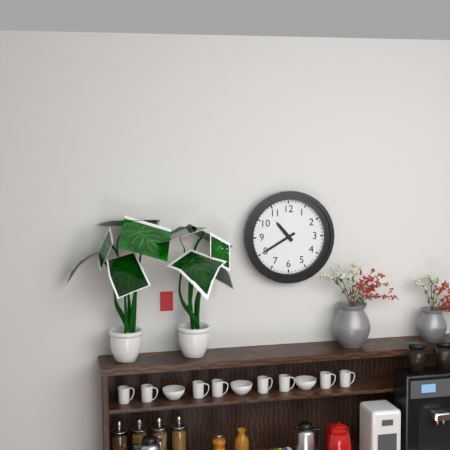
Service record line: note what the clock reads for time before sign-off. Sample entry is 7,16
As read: 10,40
